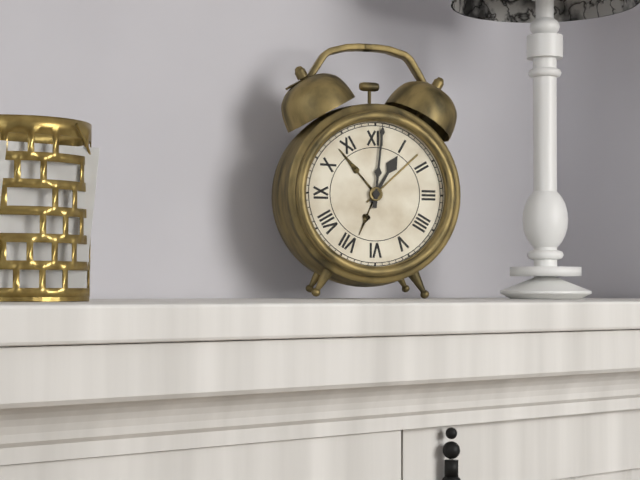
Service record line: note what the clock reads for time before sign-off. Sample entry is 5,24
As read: 1,01
